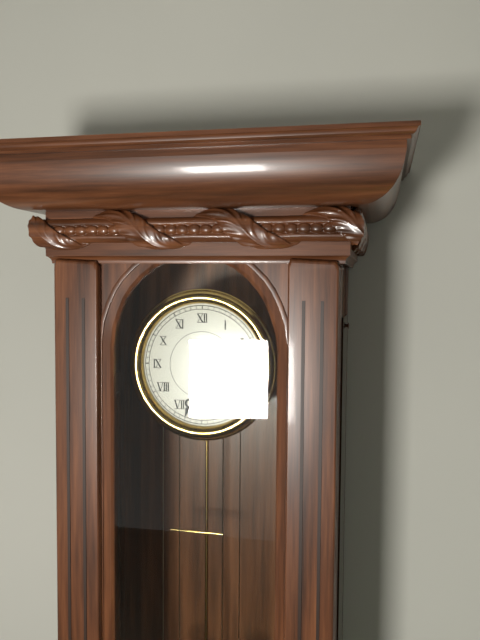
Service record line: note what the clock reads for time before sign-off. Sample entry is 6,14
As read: 5,33
